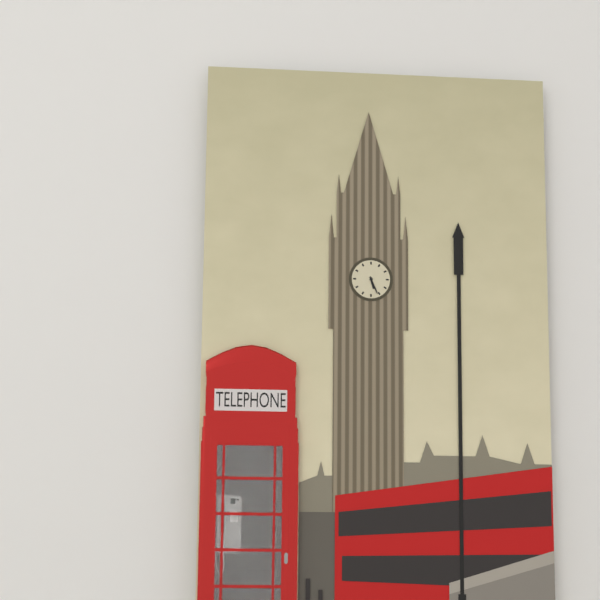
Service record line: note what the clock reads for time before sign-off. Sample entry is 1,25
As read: 5,26
